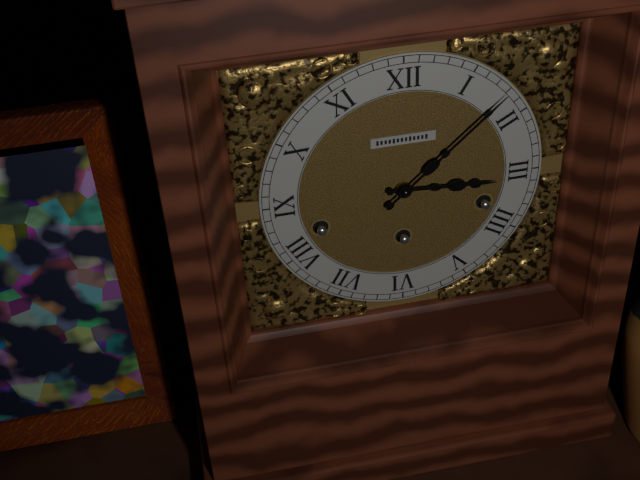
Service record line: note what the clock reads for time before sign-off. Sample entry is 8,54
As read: 3,08
